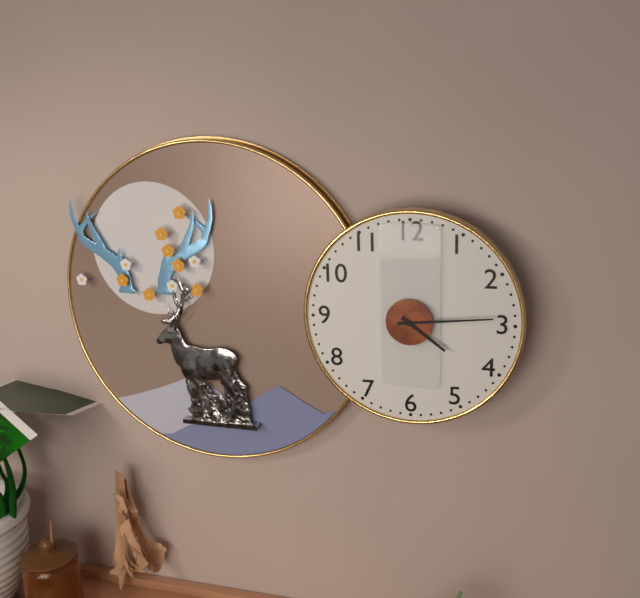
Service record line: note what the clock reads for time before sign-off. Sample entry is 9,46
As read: 4,14
